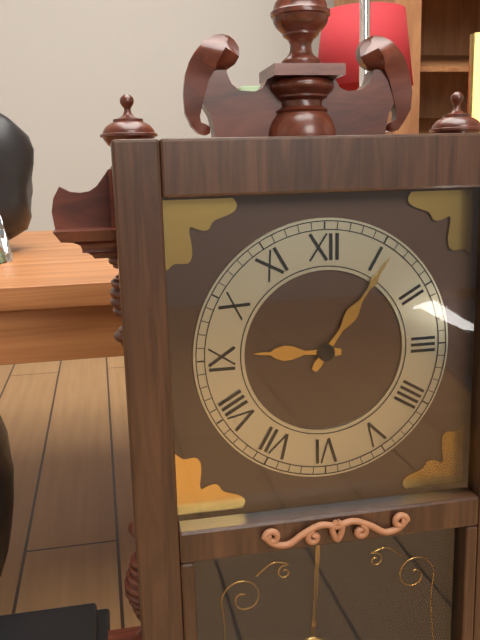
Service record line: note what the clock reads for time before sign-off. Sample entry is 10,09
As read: 9,06
